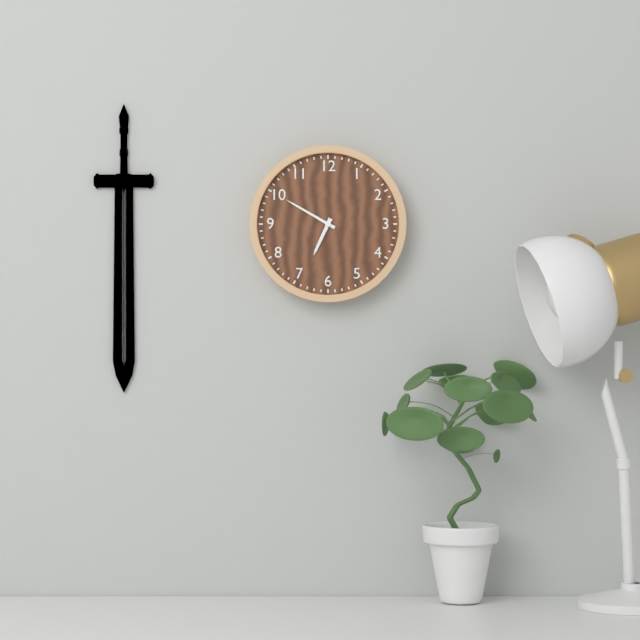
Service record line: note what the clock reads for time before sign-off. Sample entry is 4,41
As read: 6,50
